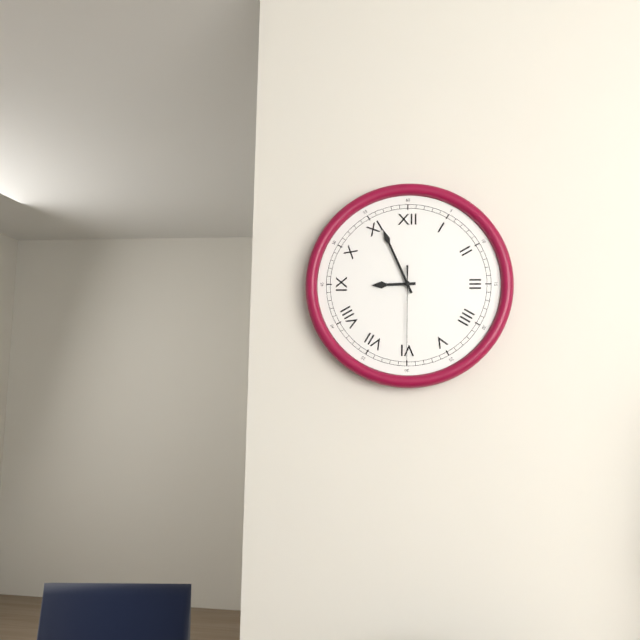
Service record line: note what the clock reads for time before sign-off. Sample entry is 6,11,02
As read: 8,56,30
